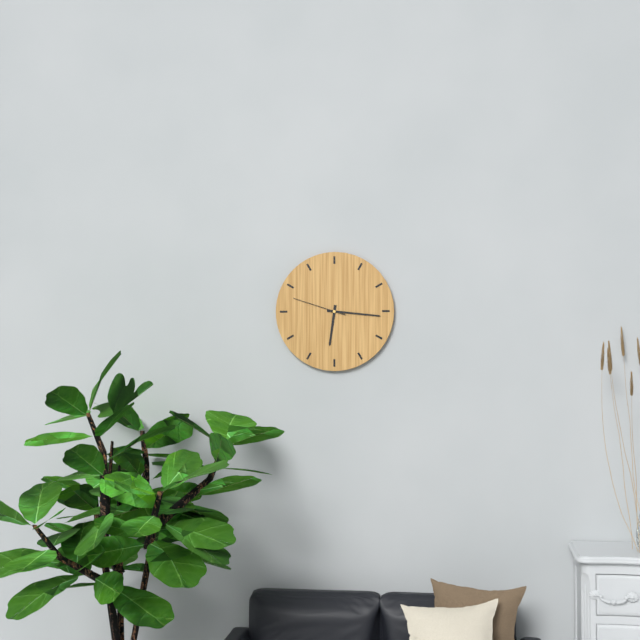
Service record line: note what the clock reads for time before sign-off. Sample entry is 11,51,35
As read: 6,16,48
